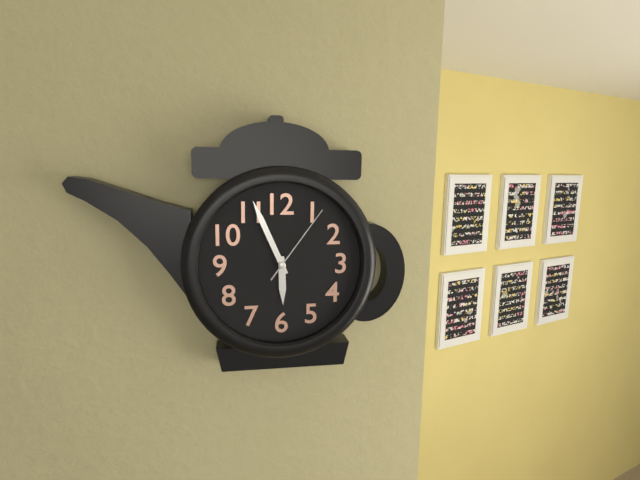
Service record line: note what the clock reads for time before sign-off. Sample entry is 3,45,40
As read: 5,56,06
